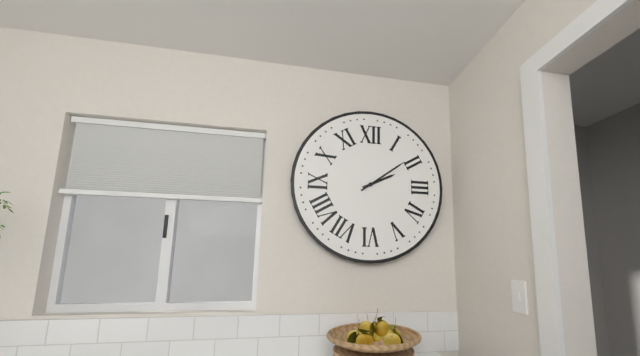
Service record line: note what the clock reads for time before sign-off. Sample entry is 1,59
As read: 2,09
